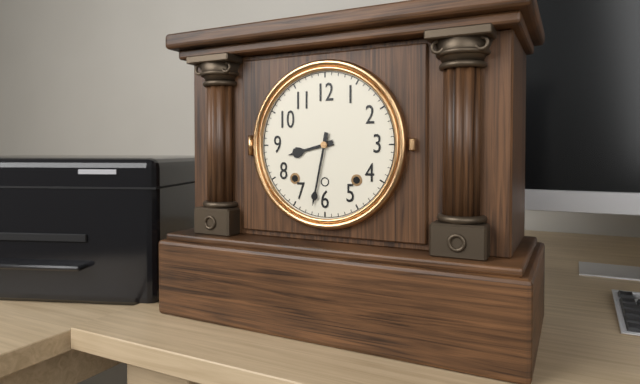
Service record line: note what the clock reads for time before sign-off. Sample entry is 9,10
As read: 8,32
